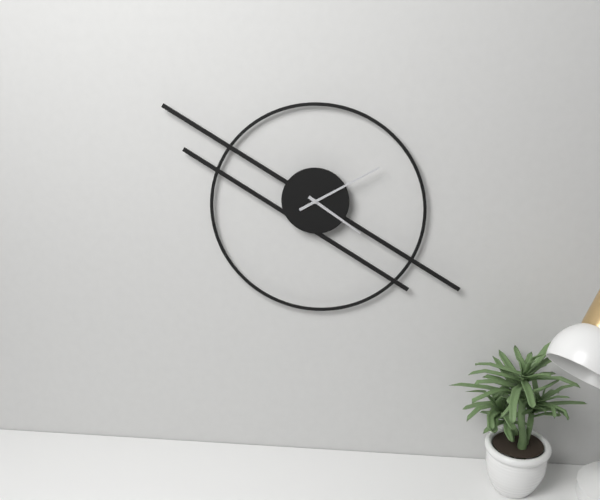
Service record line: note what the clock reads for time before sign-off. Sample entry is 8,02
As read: 4,10
